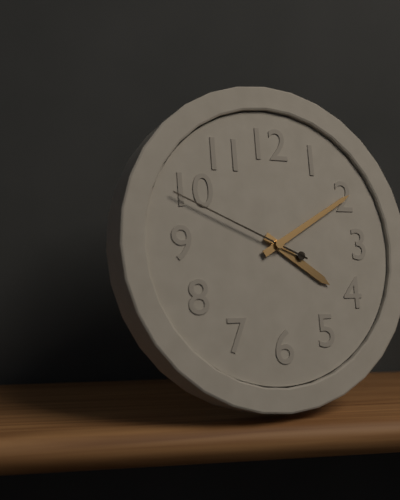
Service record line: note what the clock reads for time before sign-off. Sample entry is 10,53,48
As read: 4,10,49
